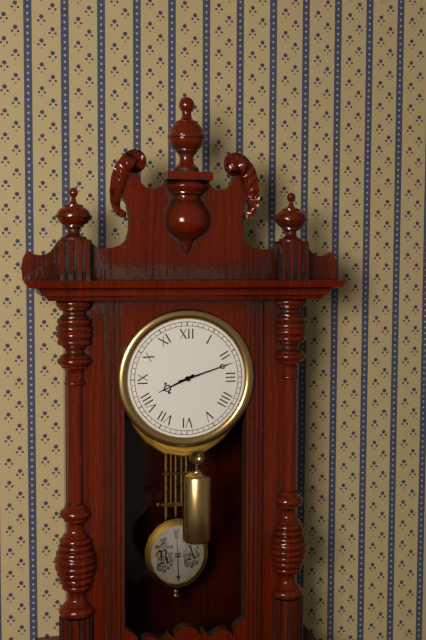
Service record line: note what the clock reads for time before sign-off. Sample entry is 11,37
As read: 8,12
